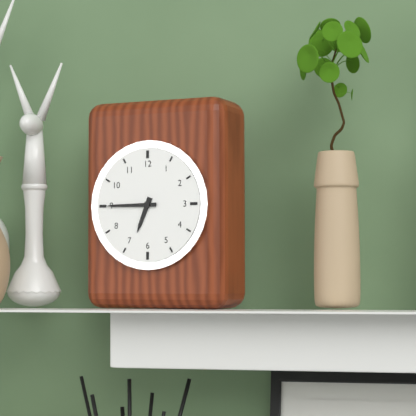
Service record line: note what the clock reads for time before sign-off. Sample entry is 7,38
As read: 6,45
